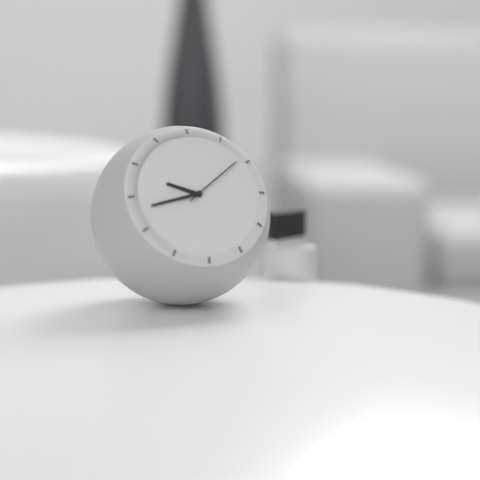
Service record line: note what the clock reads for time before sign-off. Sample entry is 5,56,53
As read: 9,43,09
